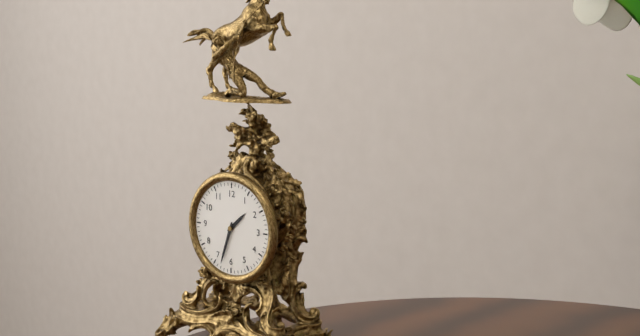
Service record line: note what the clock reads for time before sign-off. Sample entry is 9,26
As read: 1,33
